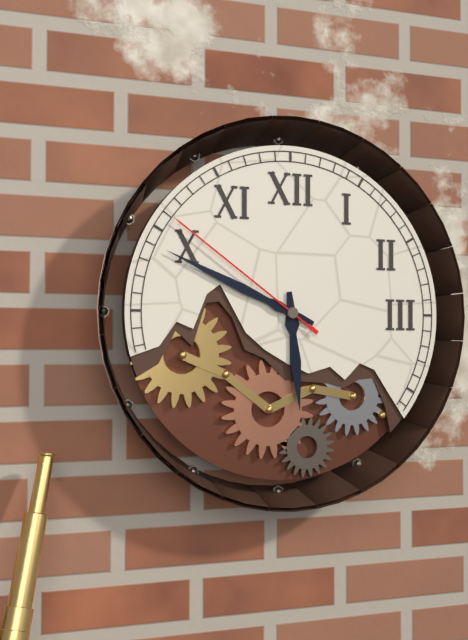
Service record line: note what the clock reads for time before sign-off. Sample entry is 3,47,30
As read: 5,49,51
